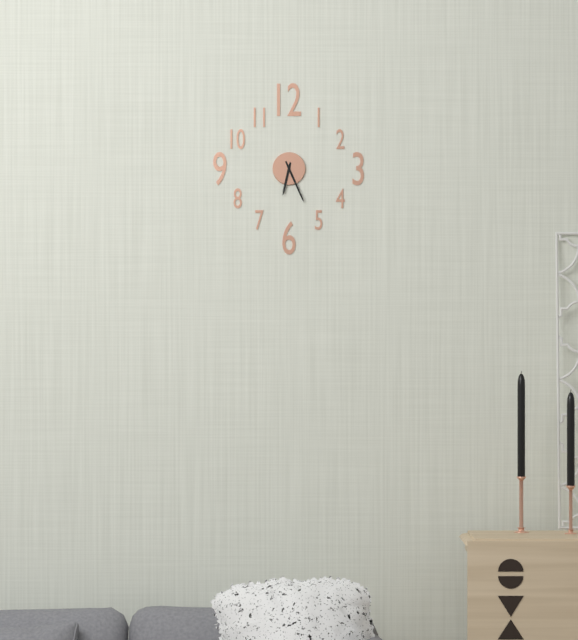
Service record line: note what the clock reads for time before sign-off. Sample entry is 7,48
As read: 6,26
